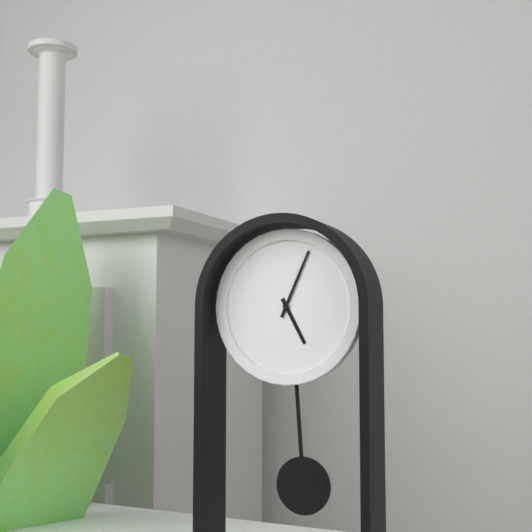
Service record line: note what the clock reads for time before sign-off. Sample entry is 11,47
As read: 5,04
